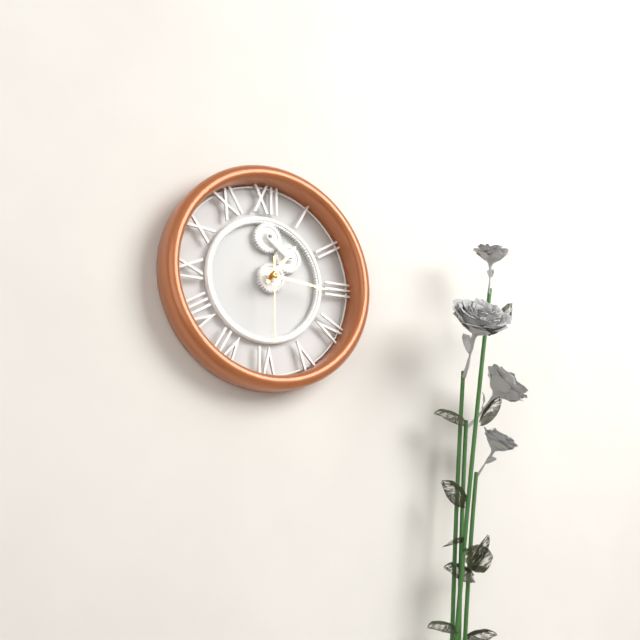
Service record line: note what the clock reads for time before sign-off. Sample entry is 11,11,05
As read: 1,16,30
